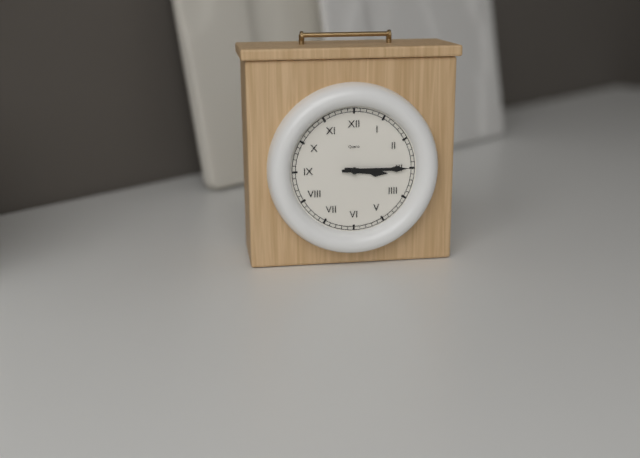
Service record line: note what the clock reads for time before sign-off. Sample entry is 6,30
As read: 3,15
